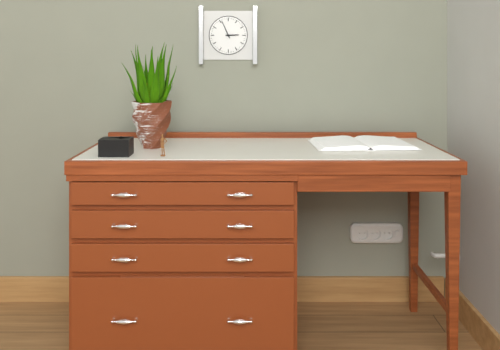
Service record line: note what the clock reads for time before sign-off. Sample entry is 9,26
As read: 2,56
